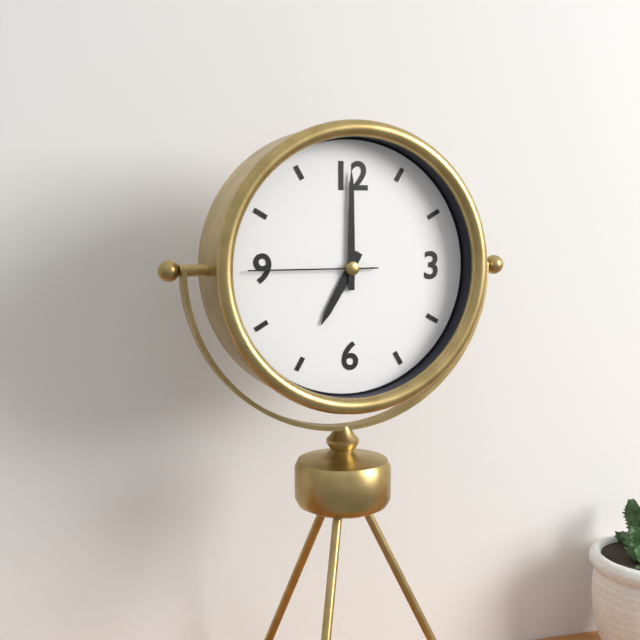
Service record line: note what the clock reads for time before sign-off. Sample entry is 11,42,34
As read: 7,00,45
